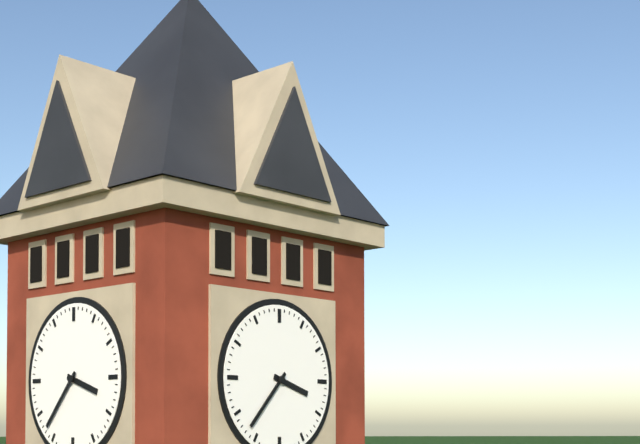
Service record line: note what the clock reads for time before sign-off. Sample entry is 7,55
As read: 3,37
